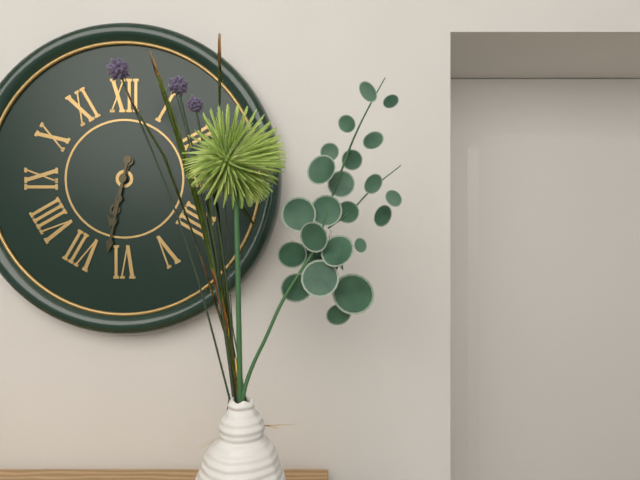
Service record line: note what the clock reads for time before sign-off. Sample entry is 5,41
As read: 6,32
